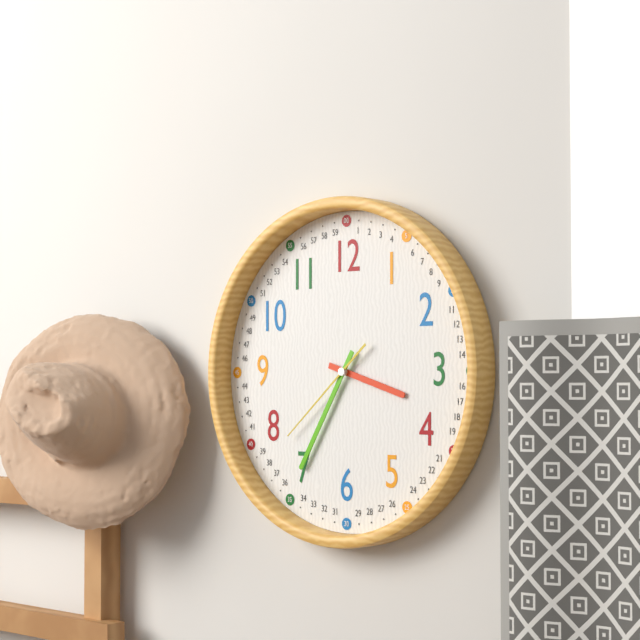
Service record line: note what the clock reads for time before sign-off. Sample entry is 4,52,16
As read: 3,35,38
